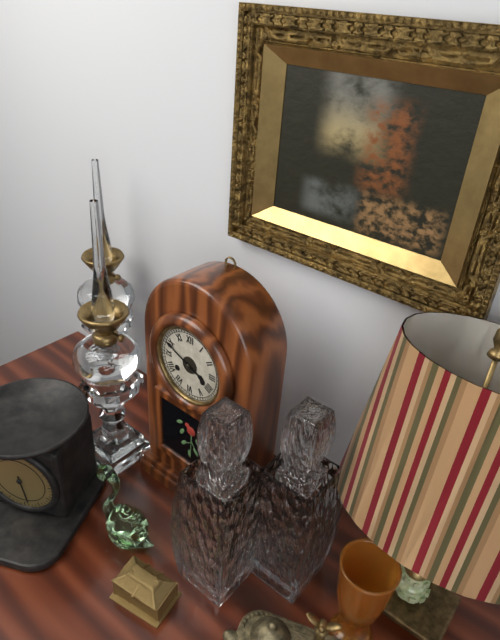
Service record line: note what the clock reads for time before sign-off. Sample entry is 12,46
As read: 3,49
